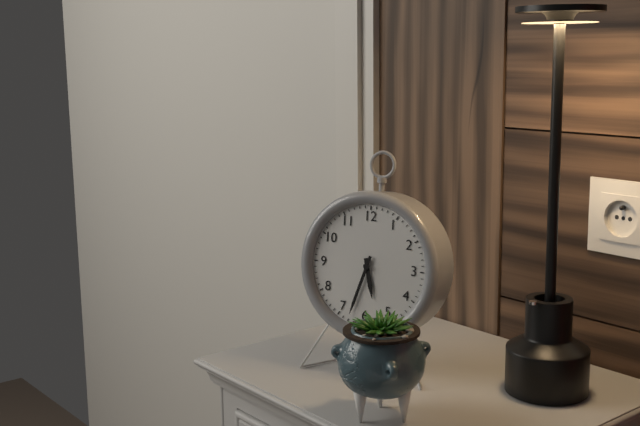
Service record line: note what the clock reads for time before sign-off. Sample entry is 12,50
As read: 5,33
